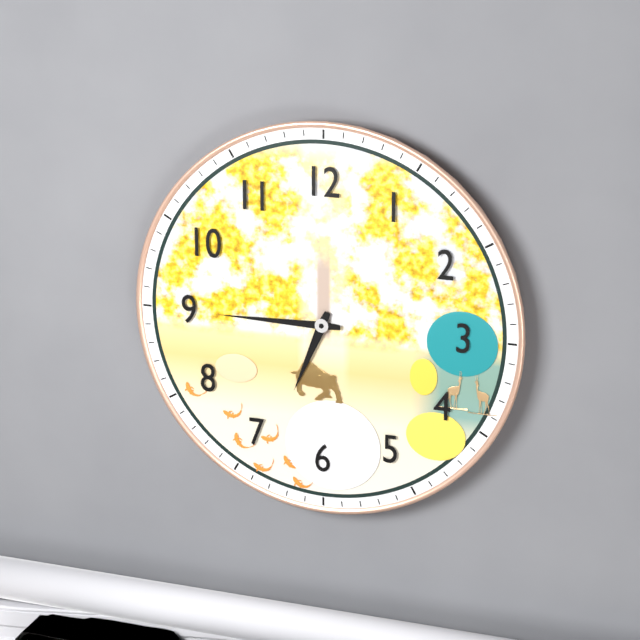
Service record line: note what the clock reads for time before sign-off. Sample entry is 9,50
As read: 6,45
